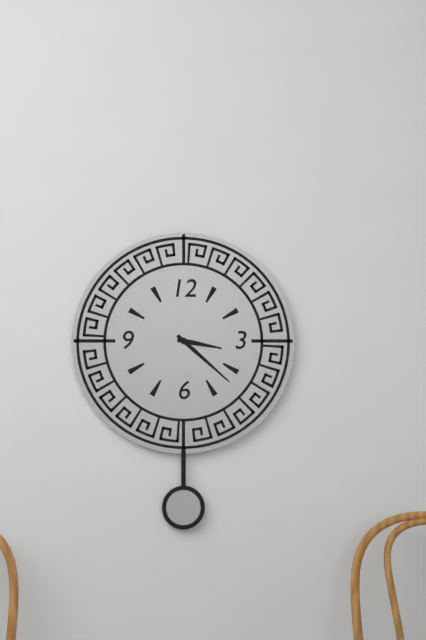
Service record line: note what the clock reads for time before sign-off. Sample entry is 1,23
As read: 3,22
